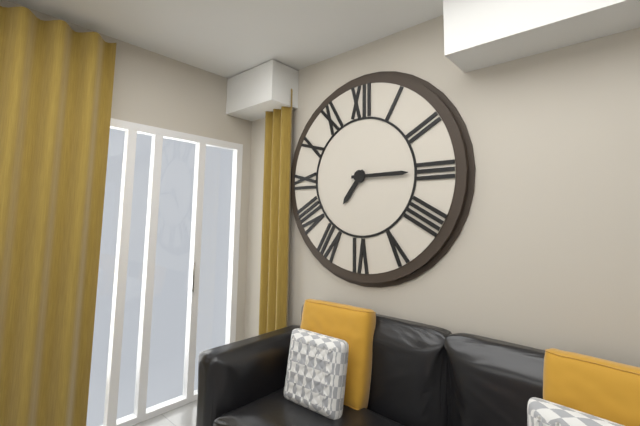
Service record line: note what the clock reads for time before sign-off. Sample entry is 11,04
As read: 7,15
